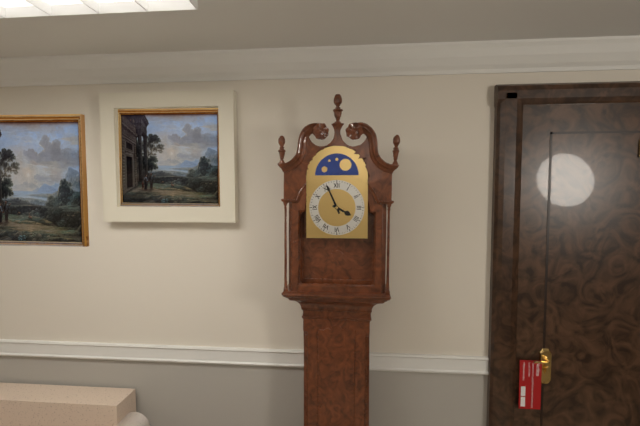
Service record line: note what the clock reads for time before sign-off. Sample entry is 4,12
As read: 3,56
